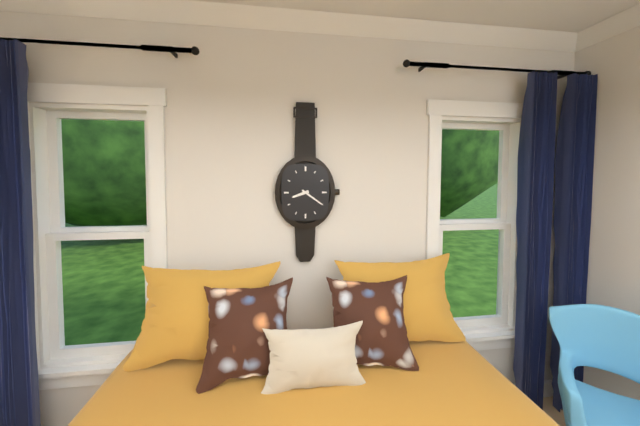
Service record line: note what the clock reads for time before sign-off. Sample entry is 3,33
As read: 8,21
